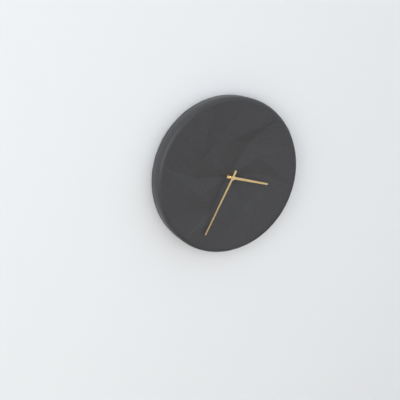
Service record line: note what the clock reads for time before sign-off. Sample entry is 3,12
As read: 3,35
